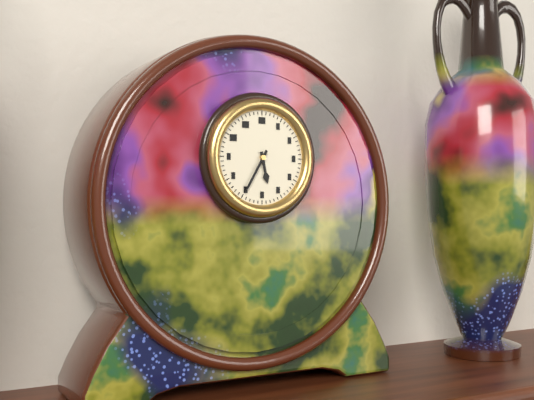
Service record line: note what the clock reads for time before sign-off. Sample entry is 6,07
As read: 5,35
